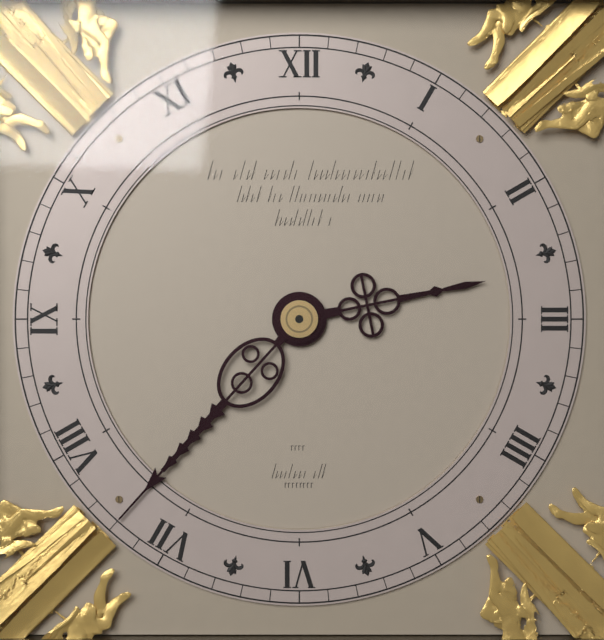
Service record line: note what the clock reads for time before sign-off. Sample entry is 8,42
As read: 2,37
